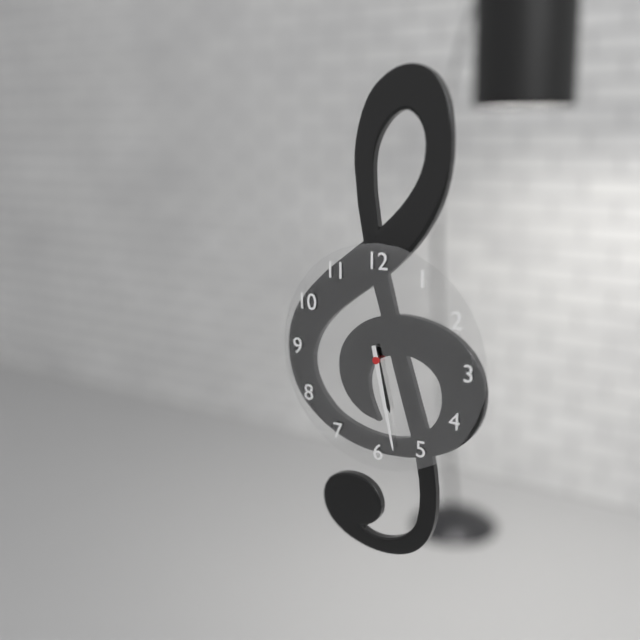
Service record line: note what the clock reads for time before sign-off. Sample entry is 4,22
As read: 5,28
